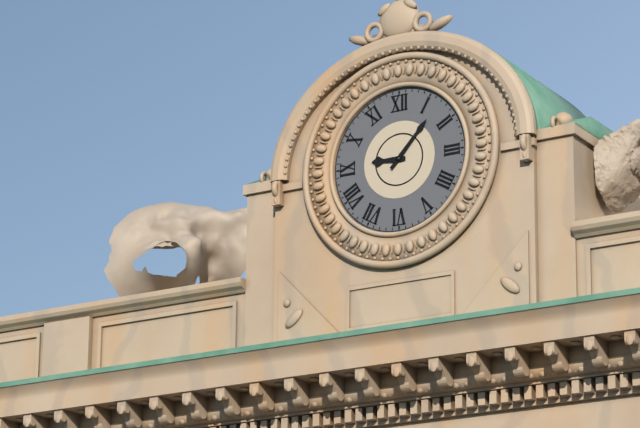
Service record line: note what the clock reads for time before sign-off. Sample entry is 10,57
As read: 9,07
